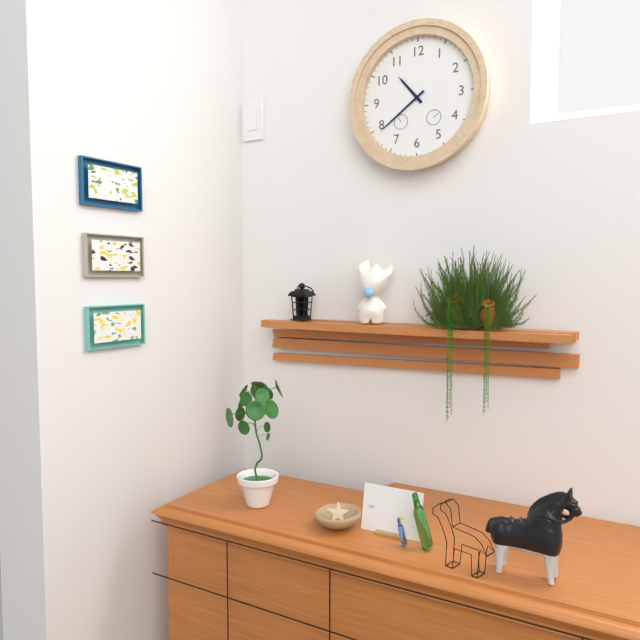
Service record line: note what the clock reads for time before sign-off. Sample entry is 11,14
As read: 10,39
